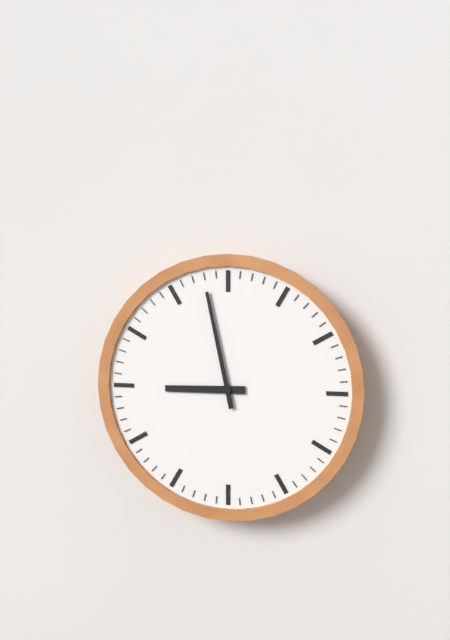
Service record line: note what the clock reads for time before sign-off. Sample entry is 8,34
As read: 8,58
